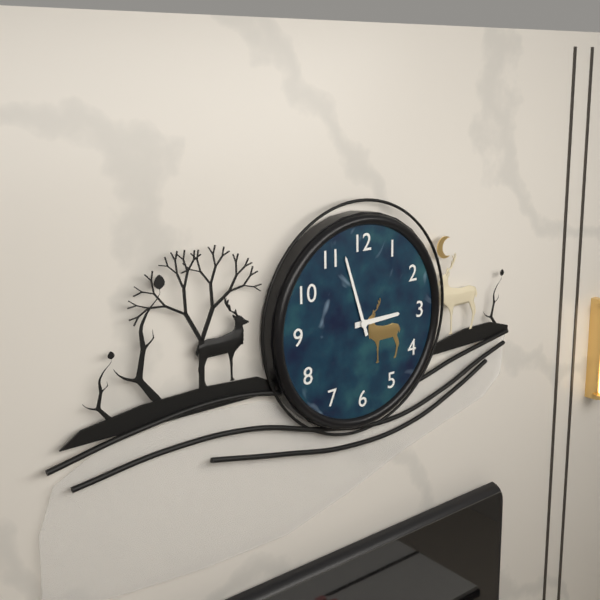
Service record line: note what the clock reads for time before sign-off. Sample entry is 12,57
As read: 2,57
